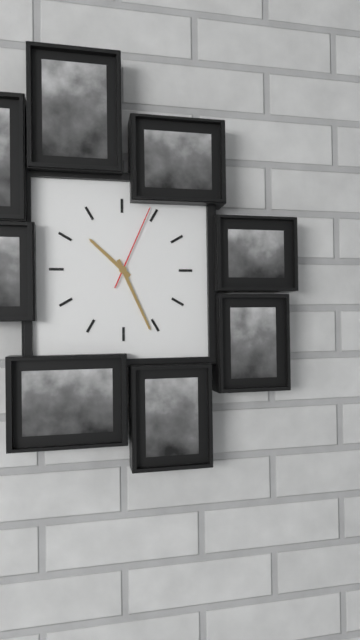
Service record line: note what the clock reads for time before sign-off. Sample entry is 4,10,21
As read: 10,26,04
